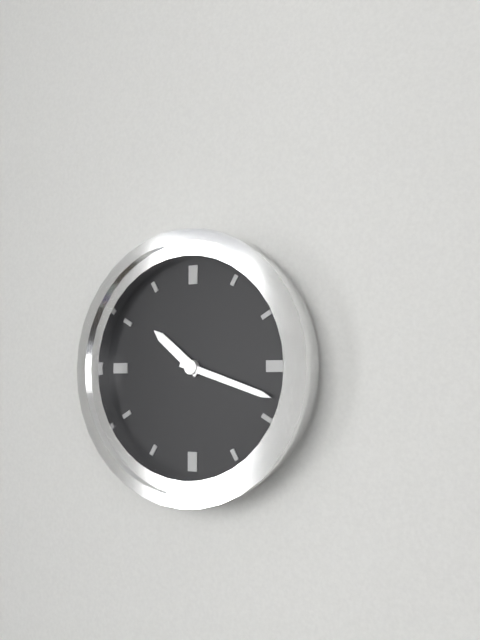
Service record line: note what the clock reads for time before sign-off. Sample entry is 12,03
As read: 10,18
